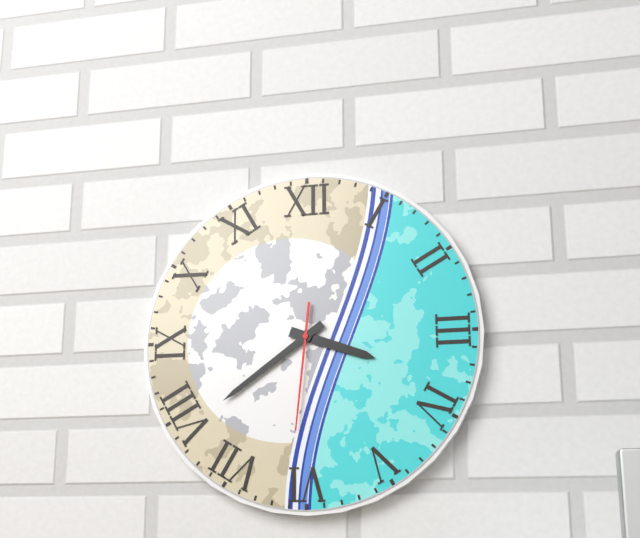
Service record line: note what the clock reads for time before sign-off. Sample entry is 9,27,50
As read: 3,39,31
